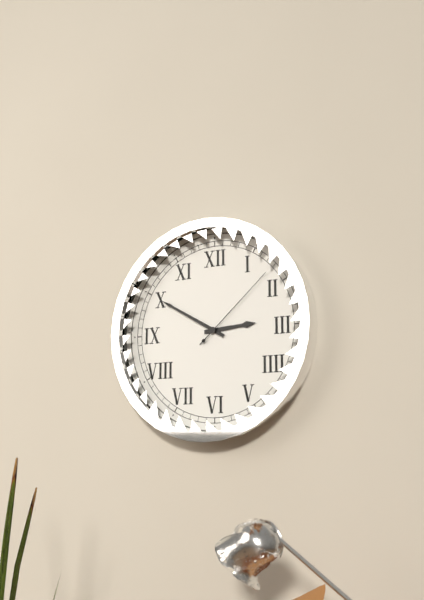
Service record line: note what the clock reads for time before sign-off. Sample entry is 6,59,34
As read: 2,50,08
